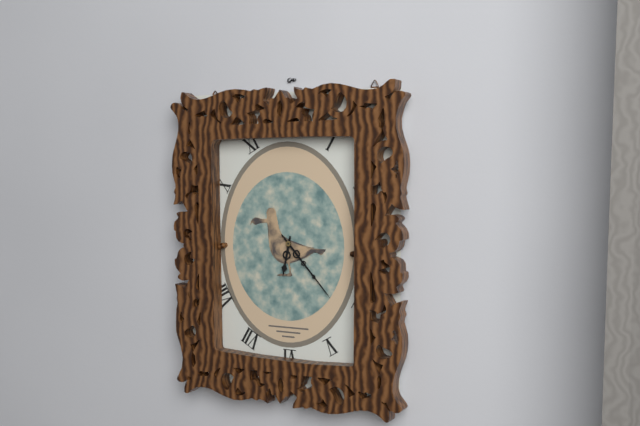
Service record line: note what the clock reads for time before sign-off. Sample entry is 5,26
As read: 6,23
